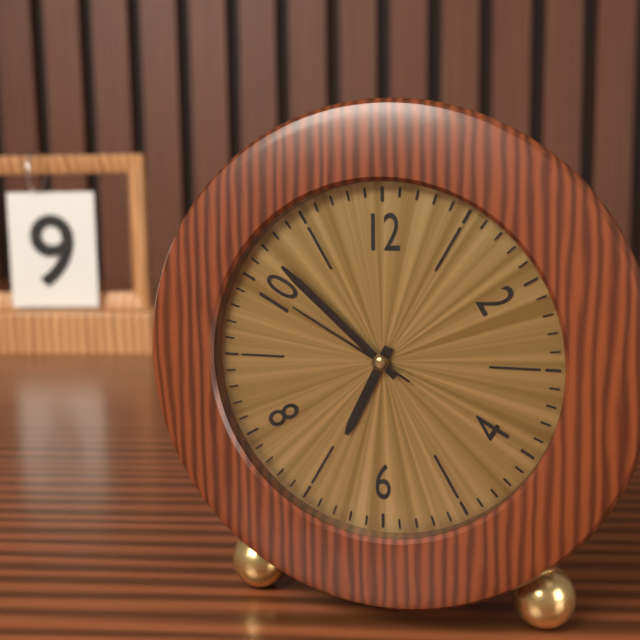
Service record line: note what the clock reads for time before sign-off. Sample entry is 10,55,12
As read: 6,52,50
